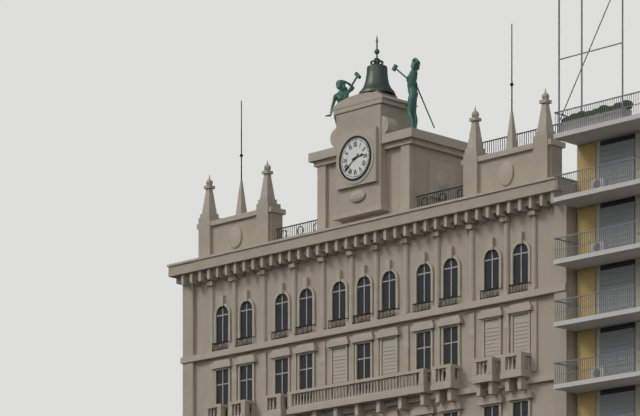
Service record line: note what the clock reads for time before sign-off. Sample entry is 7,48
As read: 2,39
